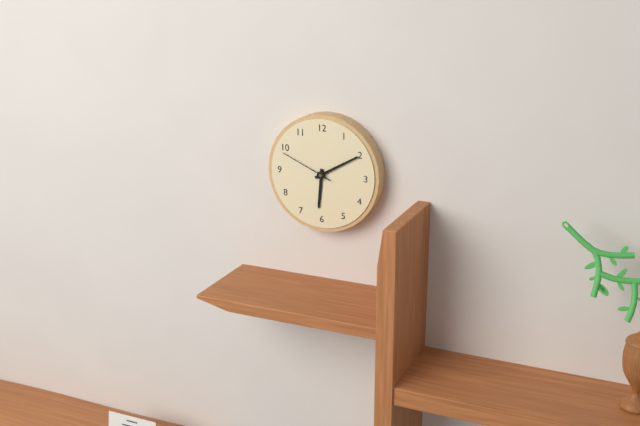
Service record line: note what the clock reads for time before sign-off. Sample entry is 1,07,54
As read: 6,10,49
